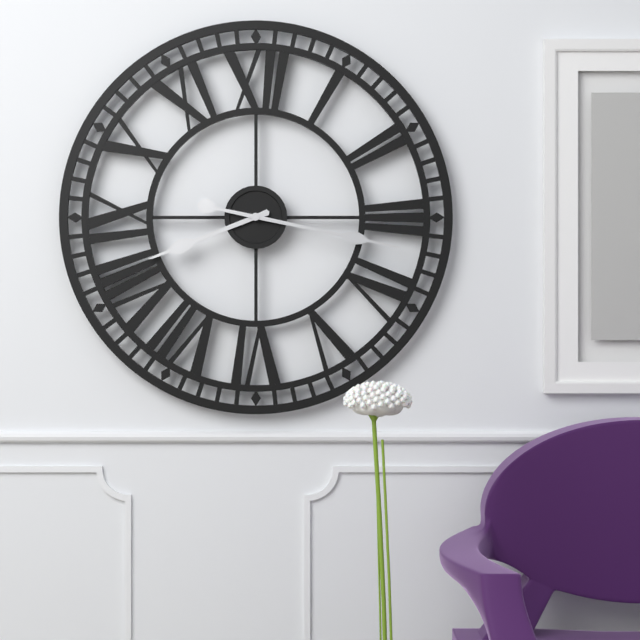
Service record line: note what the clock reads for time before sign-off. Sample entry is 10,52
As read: 8,17
